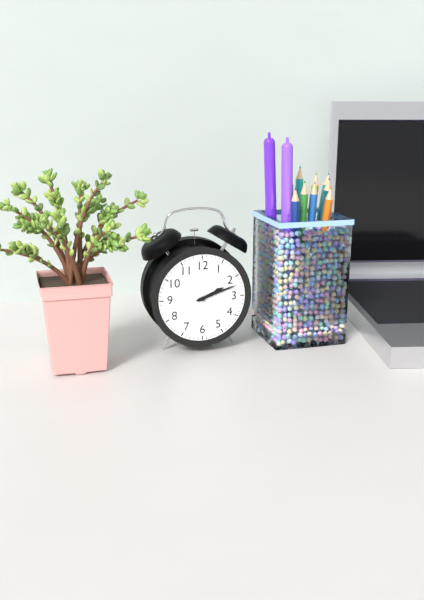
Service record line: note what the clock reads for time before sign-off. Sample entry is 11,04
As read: 2,12
